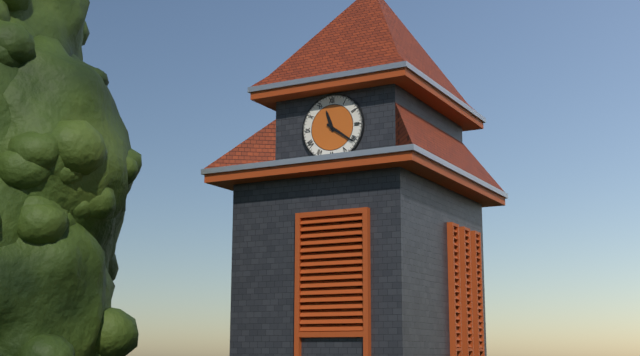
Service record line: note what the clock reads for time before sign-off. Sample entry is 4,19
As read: 11,21
